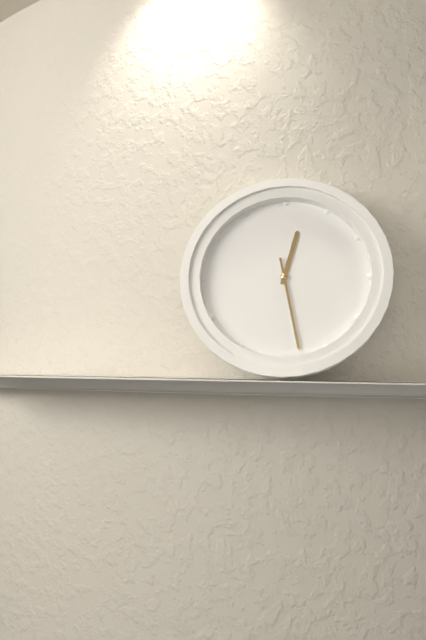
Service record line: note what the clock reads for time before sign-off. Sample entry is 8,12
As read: 12,28
